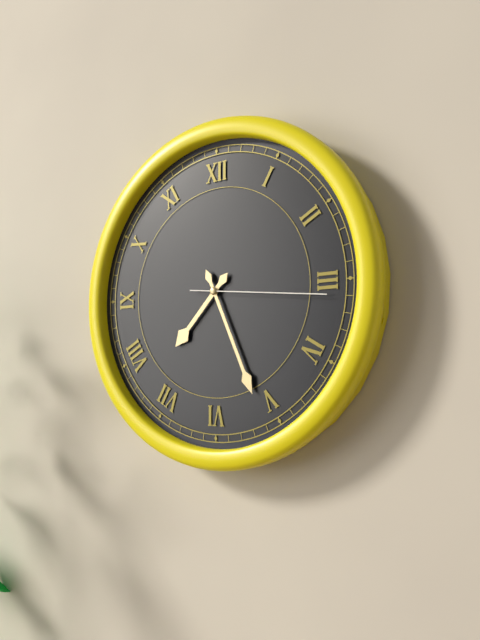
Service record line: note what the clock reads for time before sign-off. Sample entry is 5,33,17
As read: 7,26,16
